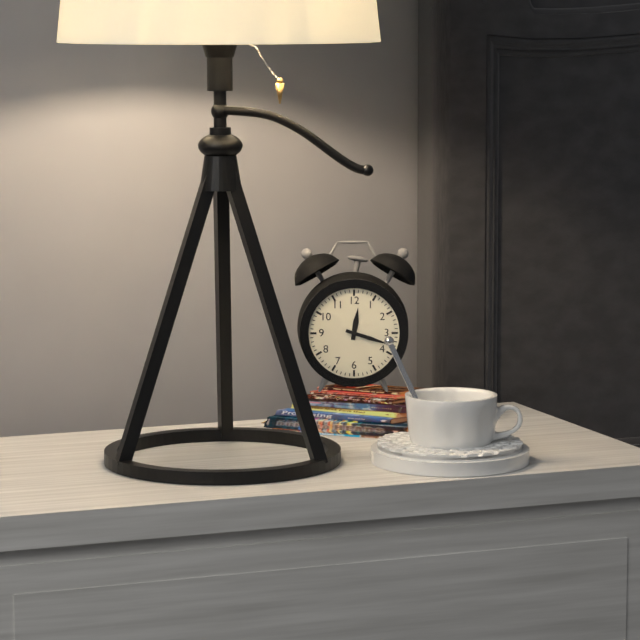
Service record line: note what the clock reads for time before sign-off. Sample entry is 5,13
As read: 12,18
